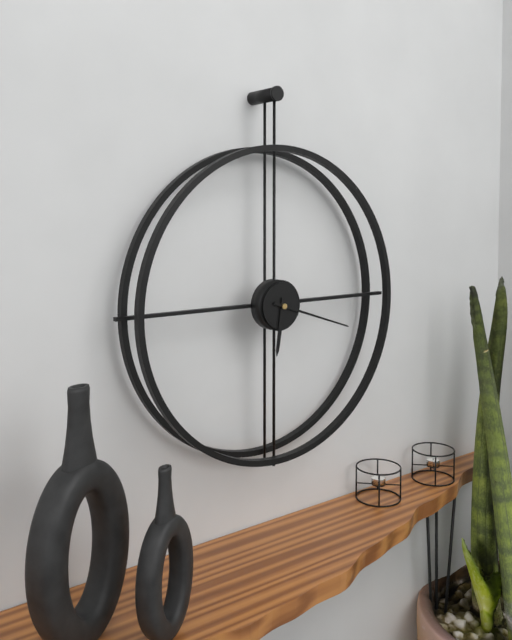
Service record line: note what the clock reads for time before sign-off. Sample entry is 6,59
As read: 6,18
